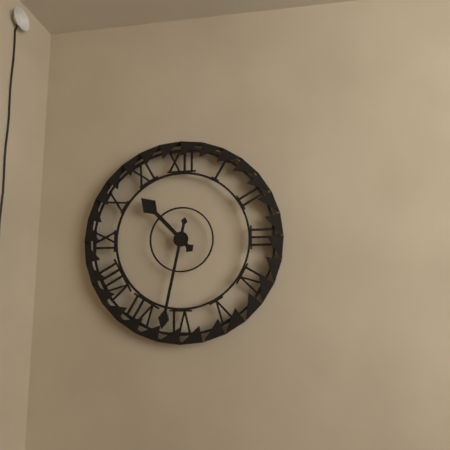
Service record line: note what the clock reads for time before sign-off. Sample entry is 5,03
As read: 10,32
